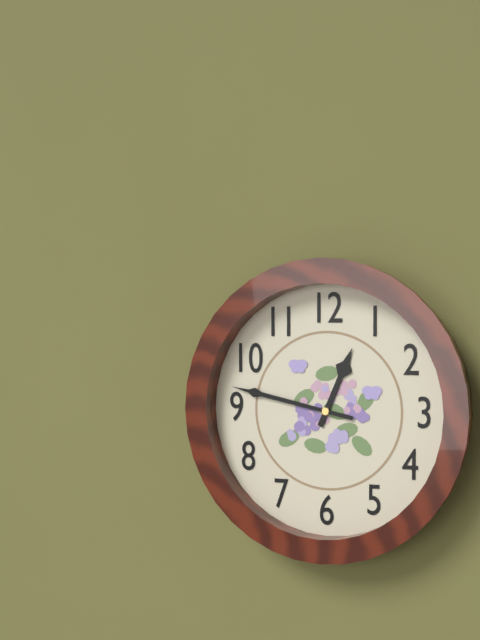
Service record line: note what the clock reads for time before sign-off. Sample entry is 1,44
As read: 12,47
